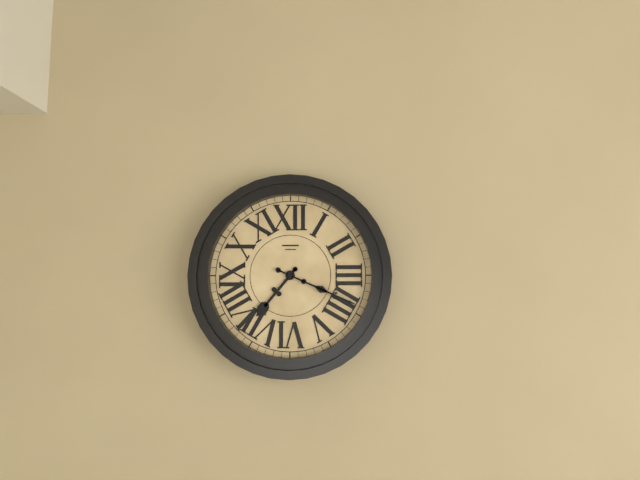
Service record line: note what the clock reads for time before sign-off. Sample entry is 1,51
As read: 7,19
